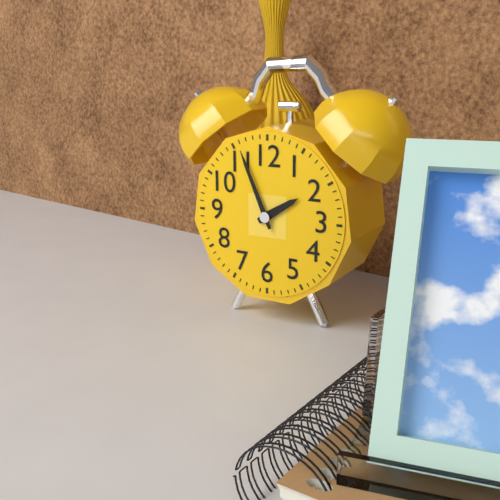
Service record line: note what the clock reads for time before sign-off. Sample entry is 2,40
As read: 1,56
